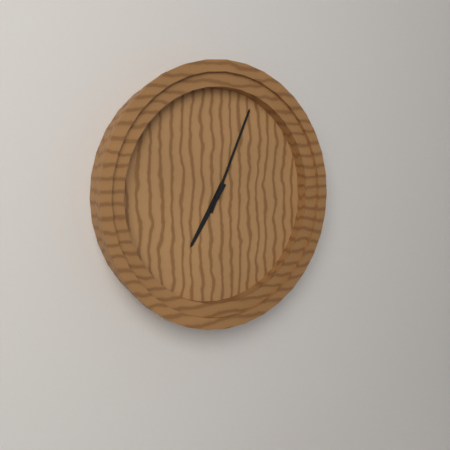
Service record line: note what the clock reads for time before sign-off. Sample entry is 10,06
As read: 7,04
